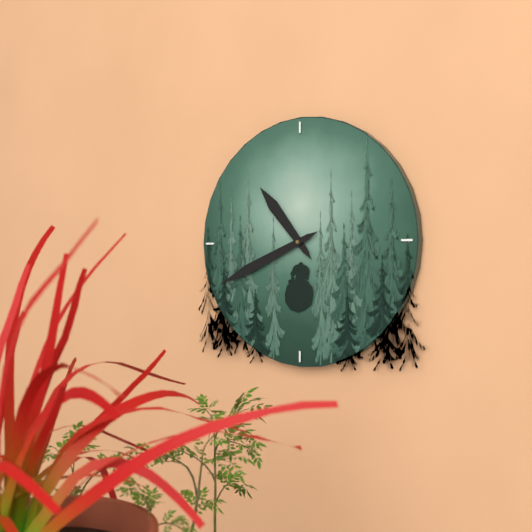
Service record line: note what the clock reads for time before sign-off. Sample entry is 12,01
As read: 10,41
